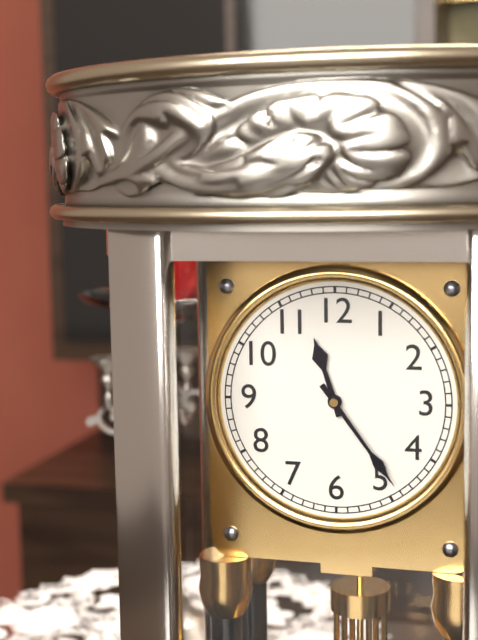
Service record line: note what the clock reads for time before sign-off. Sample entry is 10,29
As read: 11,24
